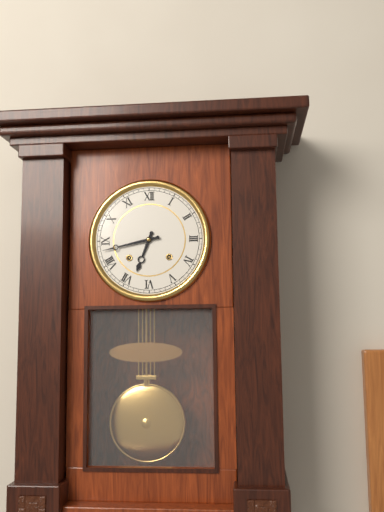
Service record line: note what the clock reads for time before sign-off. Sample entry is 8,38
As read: 6,43
